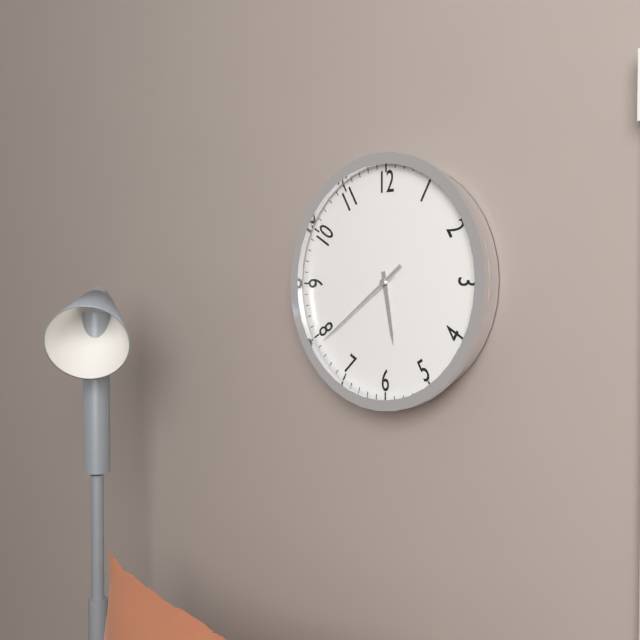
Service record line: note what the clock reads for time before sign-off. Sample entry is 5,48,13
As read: 5,39,39
